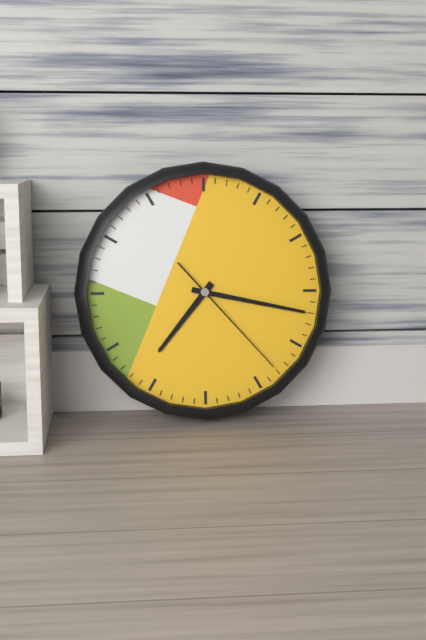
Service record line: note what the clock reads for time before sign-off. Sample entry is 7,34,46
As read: 7,17,23
